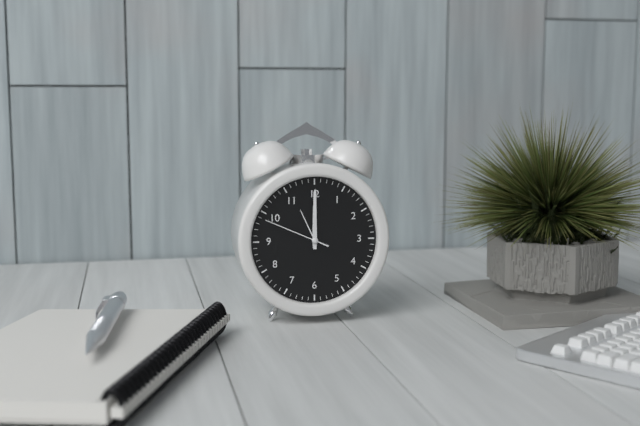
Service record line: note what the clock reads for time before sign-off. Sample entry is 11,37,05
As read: 12,00,49
